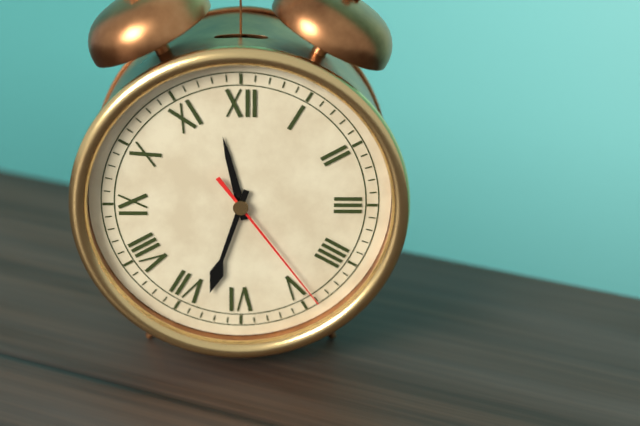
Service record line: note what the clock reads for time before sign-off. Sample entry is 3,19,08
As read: 11,33,24
